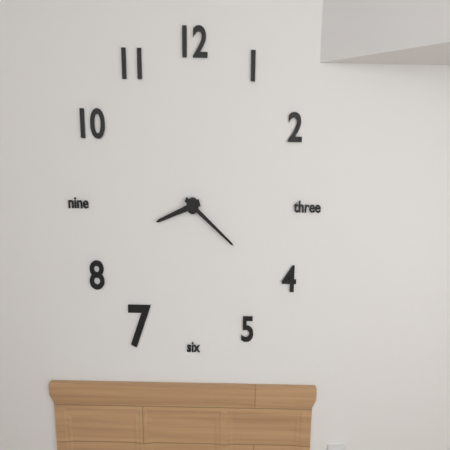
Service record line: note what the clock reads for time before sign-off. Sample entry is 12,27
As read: 8,21
